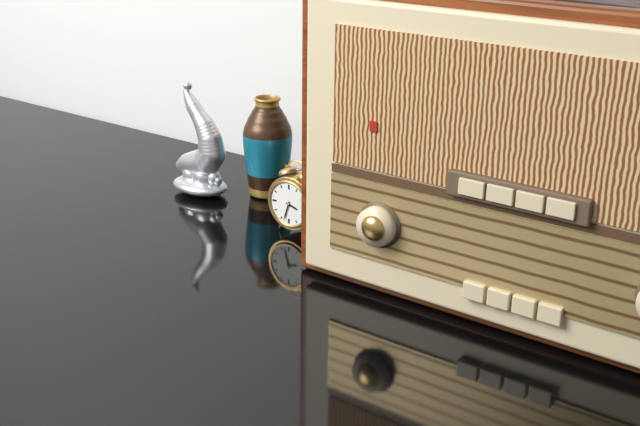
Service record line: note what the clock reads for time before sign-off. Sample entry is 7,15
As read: 3,33
